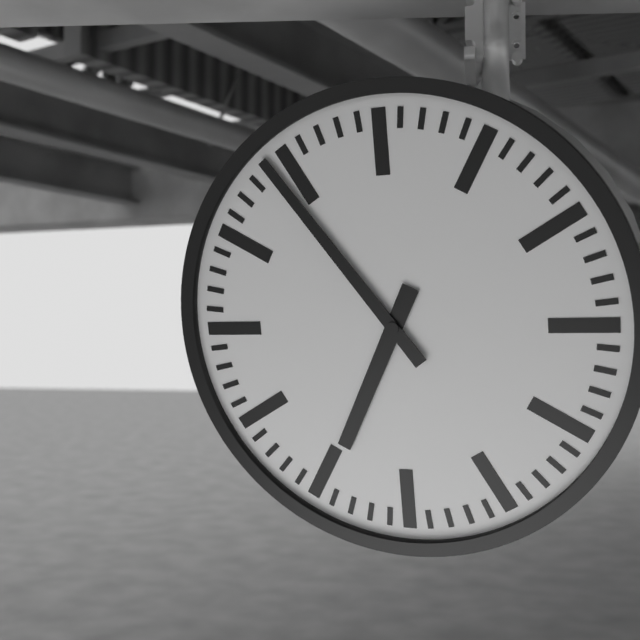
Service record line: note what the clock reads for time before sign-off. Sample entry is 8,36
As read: 6,54
